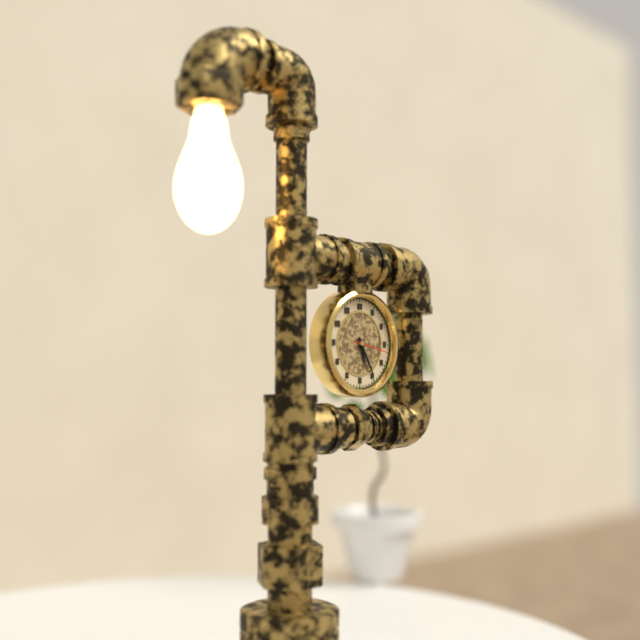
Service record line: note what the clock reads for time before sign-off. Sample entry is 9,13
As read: 5,25
